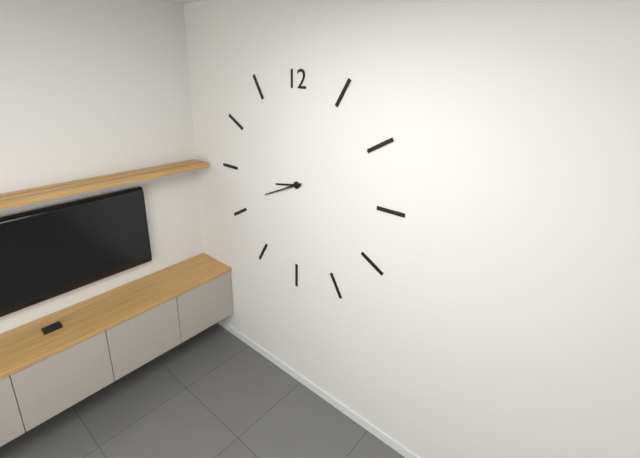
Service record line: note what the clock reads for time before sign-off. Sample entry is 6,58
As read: 8,41
